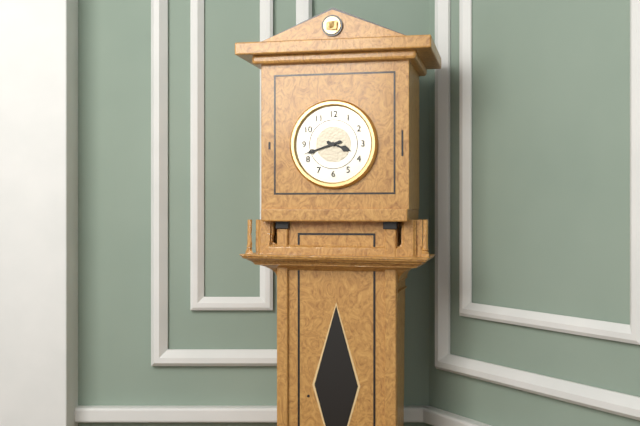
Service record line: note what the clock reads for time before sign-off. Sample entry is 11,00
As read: 3,42
